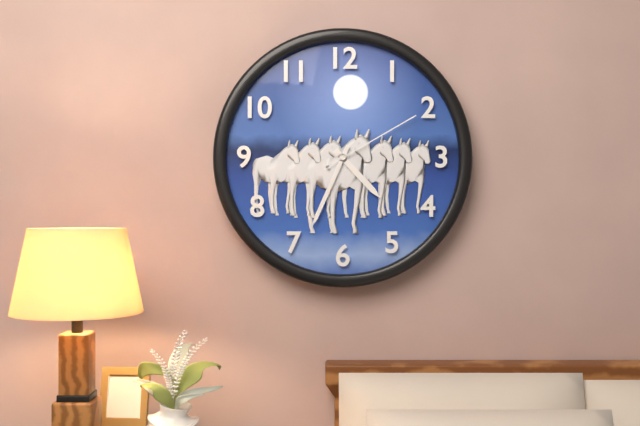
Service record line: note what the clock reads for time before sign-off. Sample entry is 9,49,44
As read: 4,34,10
